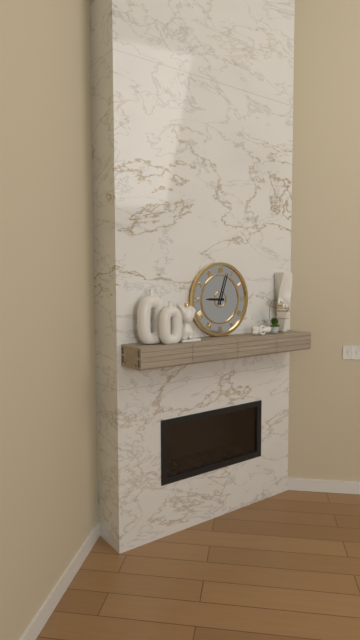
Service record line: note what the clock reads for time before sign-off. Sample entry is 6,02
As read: 9,03
